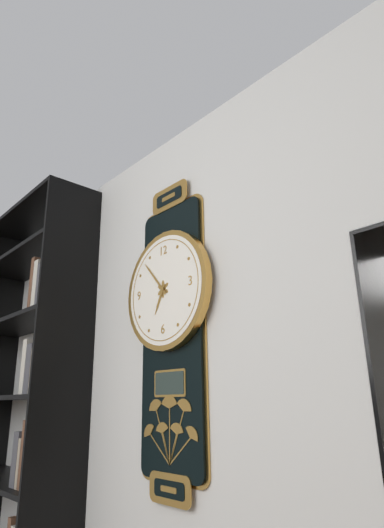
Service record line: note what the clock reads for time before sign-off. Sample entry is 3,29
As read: 6,53
